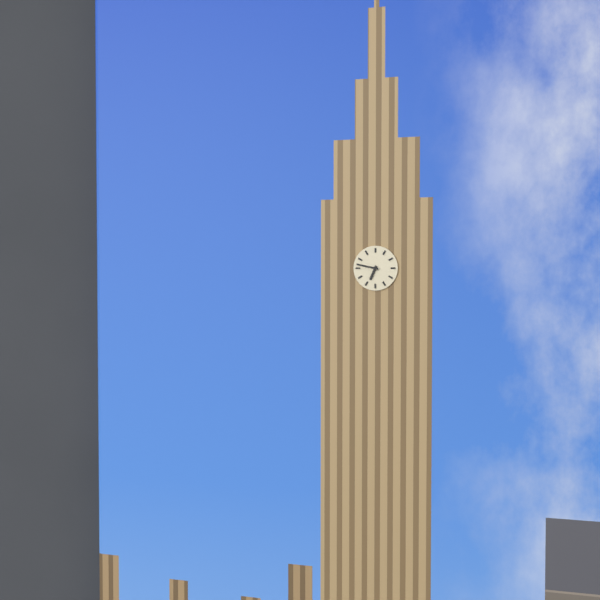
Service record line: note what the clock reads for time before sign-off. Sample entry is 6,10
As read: 6,47
